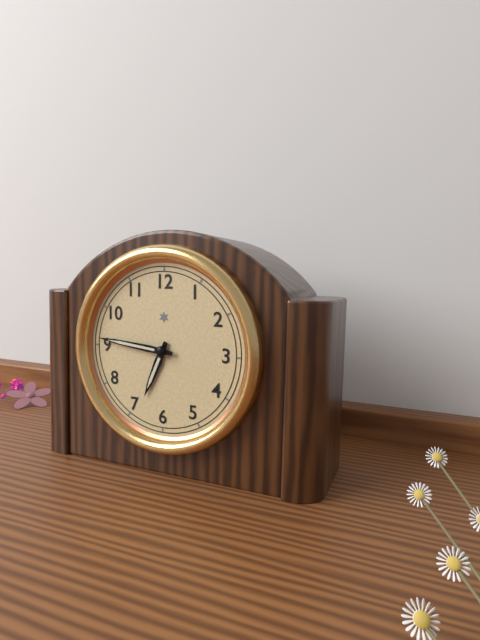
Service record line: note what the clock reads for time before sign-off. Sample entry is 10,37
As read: 6,46
